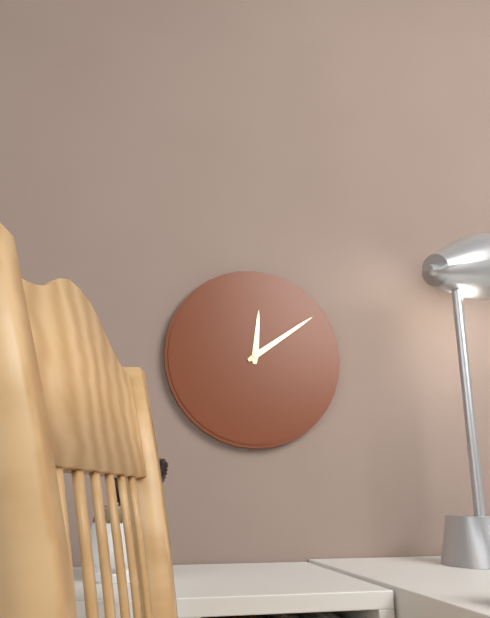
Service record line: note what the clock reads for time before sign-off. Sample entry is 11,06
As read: 12,09
